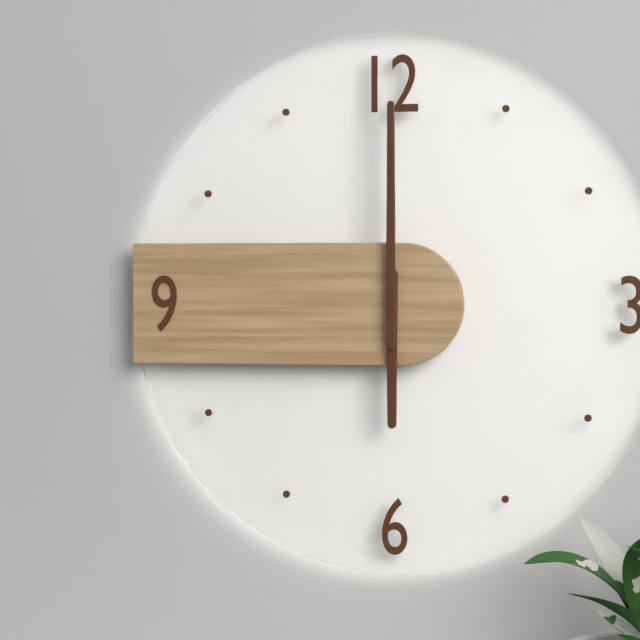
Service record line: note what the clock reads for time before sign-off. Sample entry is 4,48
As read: 6,00
